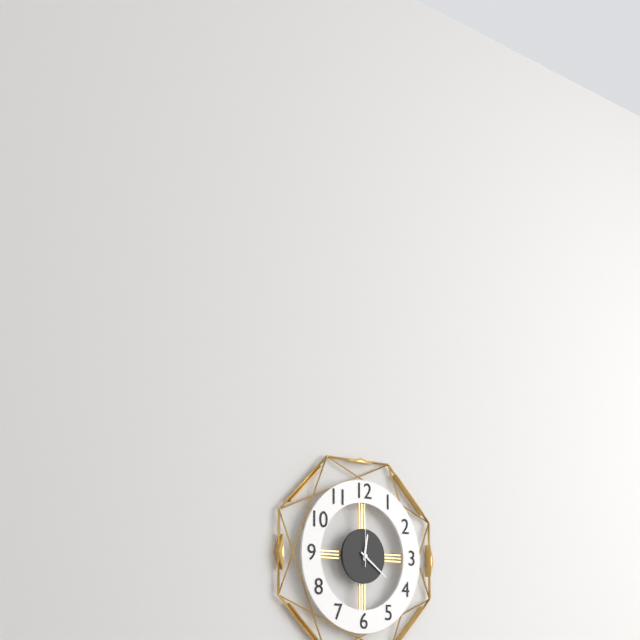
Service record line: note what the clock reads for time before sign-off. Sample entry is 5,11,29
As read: 12,21,00
